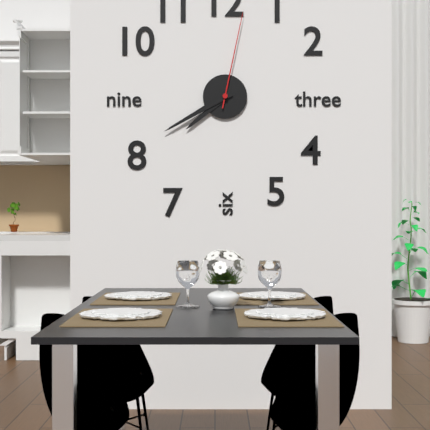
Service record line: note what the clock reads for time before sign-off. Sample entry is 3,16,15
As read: 7,40,02
